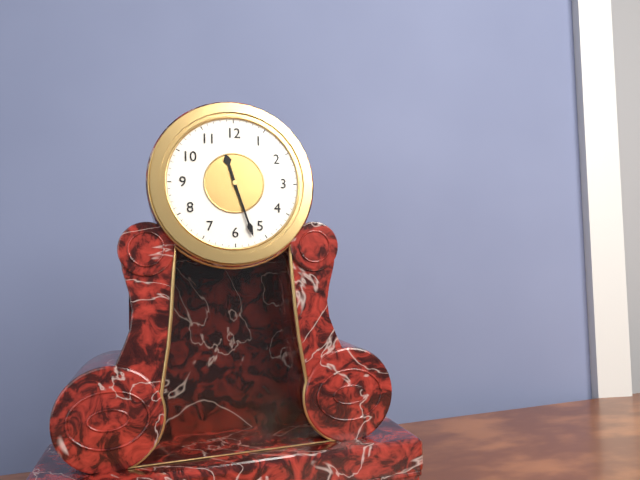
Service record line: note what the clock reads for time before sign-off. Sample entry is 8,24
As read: 11,27
